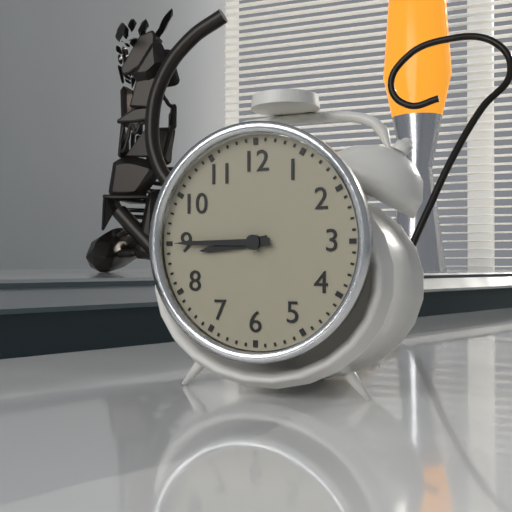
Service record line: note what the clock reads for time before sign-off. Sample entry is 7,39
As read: 8,45
